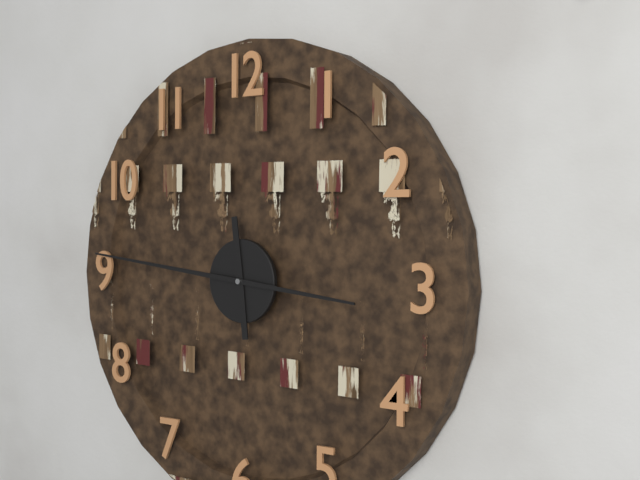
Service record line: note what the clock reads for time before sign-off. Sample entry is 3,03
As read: 11,46
